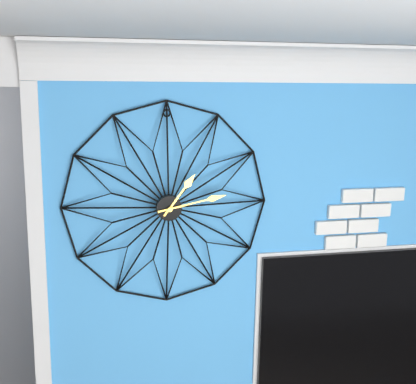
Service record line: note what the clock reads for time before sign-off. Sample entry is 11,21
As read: 1,13
